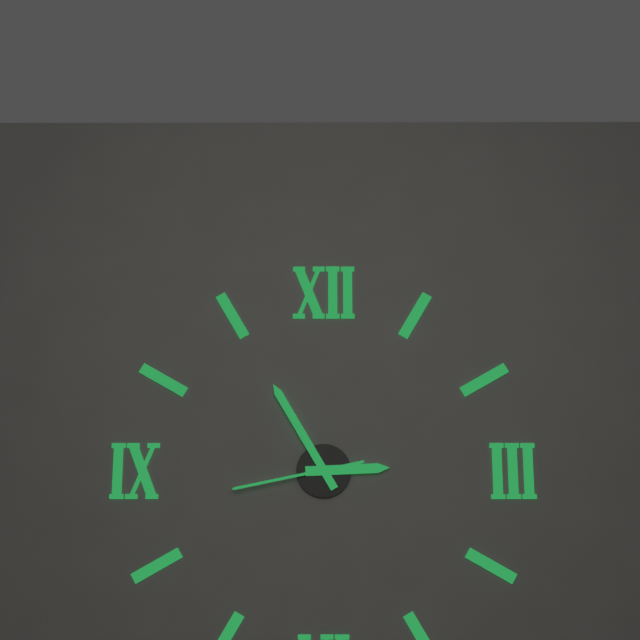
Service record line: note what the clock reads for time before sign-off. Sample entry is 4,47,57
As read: 2,55,43
